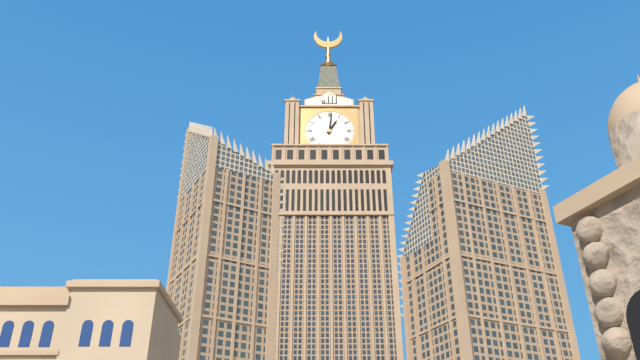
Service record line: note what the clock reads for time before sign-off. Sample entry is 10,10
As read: 1,01
